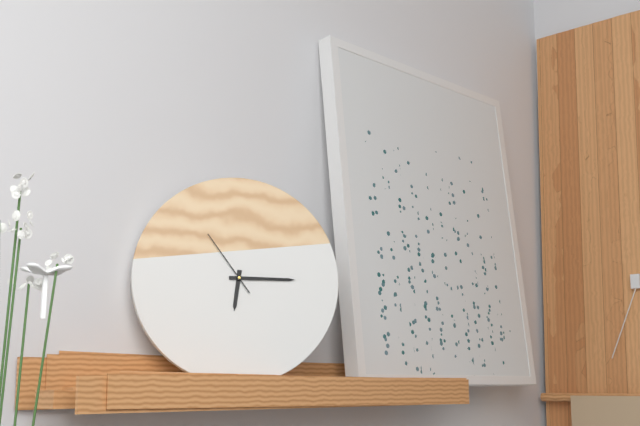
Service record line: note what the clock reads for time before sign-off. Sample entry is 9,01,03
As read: 6,15,54
